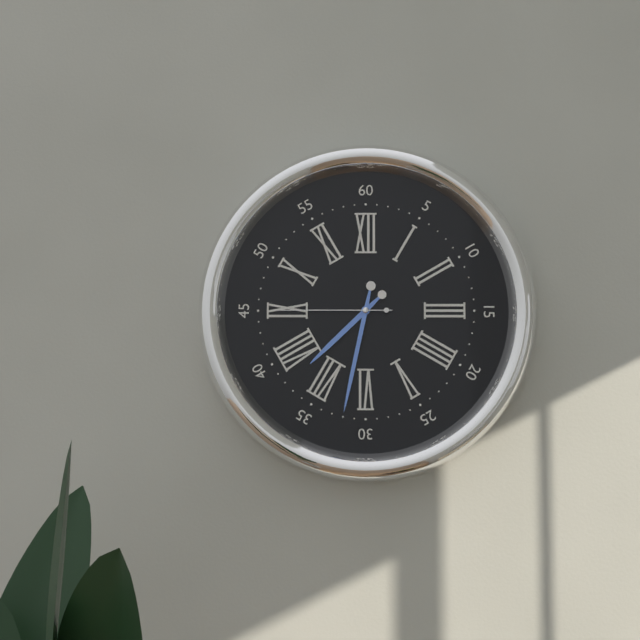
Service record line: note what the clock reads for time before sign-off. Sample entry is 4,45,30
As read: 7,32,45
